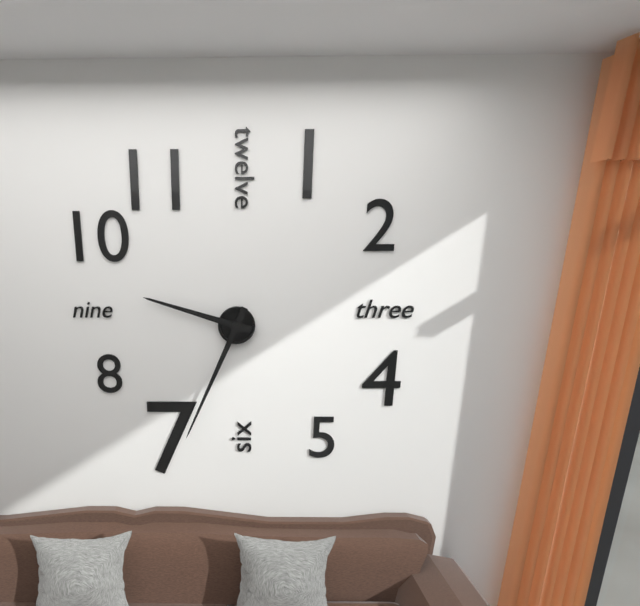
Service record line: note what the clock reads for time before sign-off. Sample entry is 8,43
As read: 9,34
